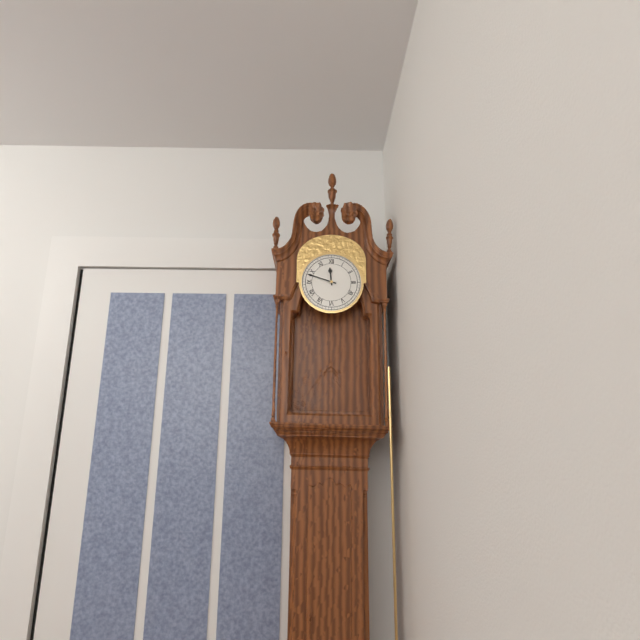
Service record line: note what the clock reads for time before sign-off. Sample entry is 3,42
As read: 11,48
